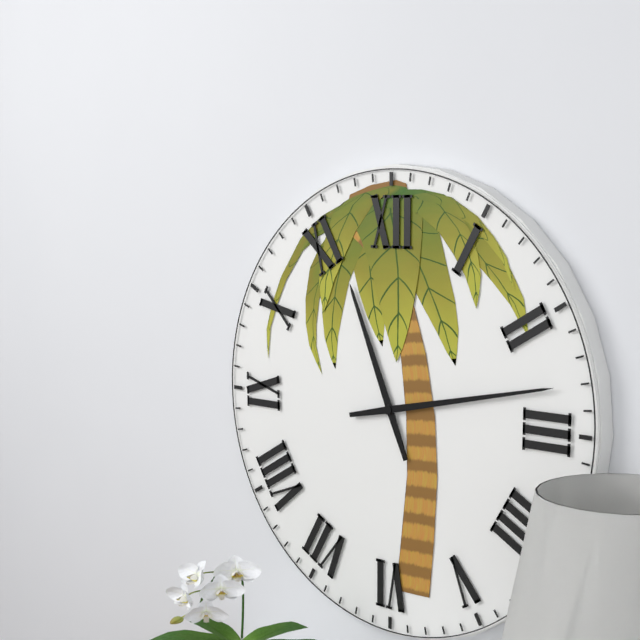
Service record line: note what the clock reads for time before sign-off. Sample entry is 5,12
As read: 11,13
